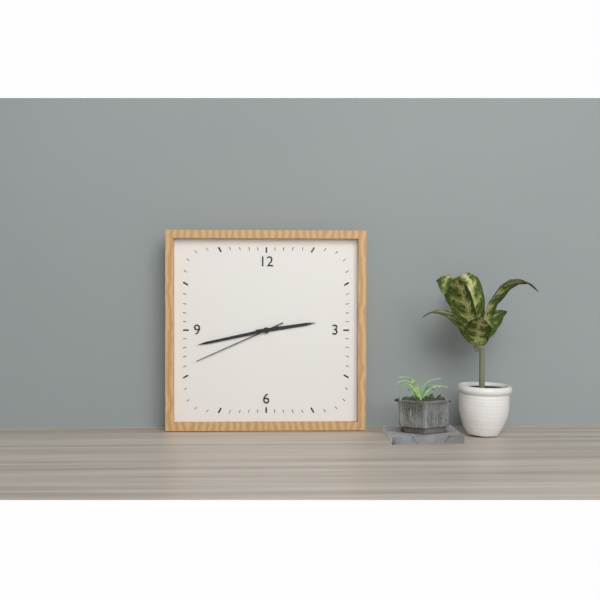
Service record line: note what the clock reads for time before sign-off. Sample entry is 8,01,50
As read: 2,43,41
